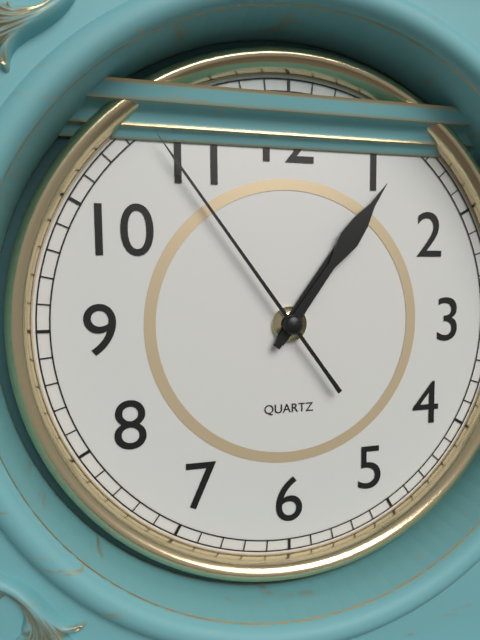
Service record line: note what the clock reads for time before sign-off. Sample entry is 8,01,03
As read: 1,06,54
